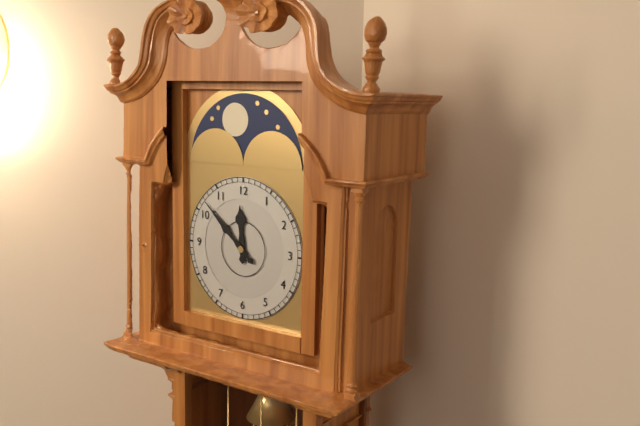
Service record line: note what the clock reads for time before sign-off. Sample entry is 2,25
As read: 11,52
